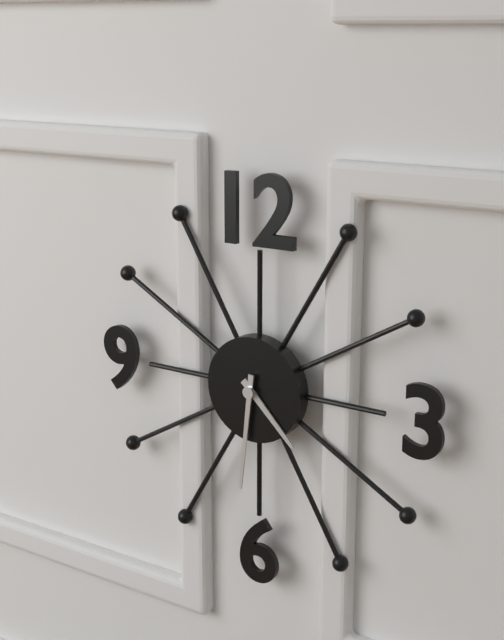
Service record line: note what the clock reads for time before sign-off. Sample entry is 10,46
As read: 4,31
